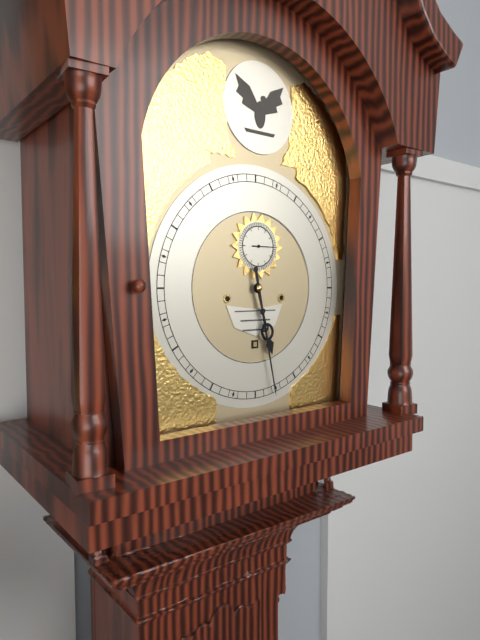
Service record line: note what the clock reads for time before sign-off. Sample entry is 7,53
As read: 5,28
